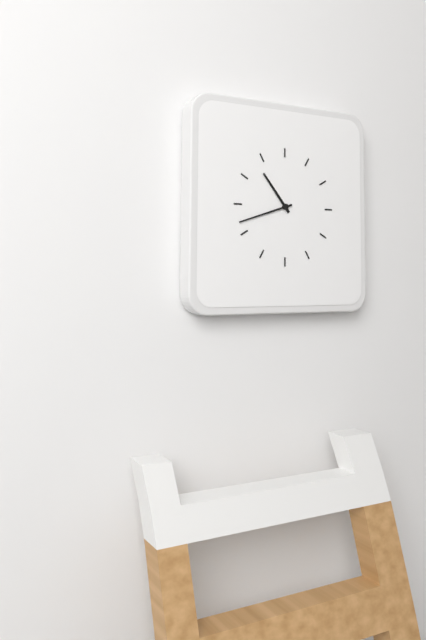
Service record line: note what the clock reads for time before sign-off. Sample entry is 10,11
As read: 10,42
